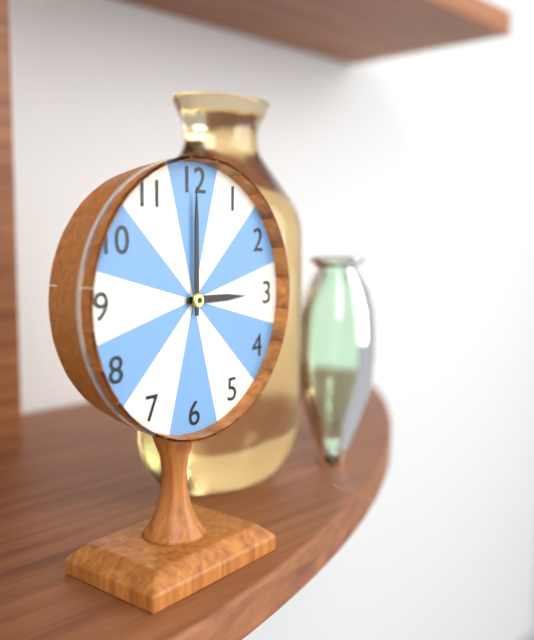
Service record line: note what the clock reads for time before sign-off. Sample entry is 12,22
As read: 3,00
